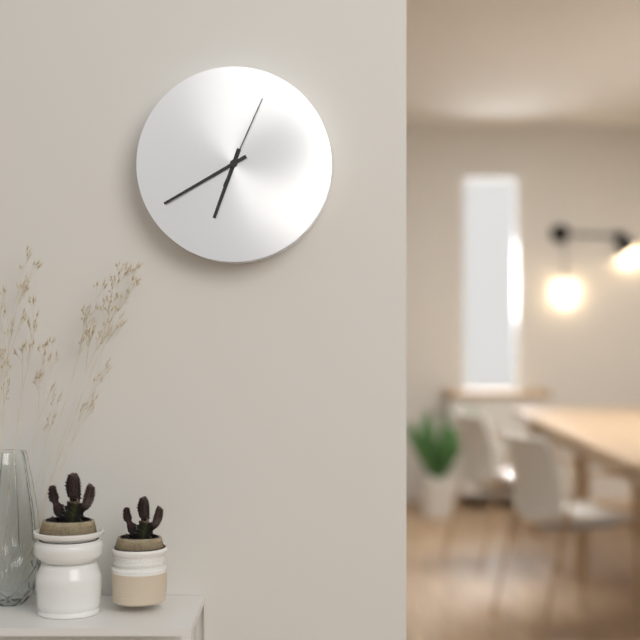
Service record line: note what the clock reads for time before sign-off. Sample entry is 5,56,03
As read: 6,40,04
